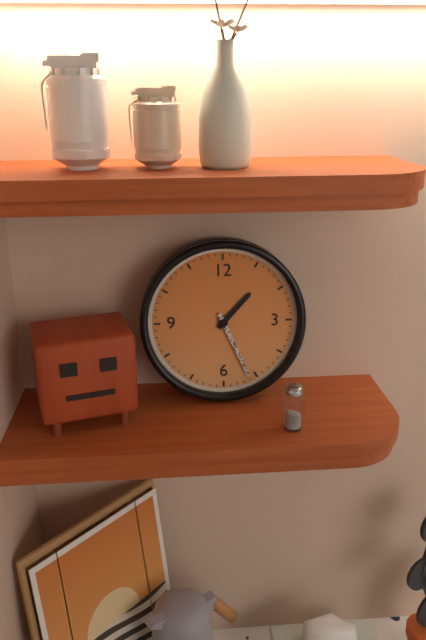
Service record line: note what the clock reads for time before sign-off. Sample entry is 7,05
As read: 1,26
